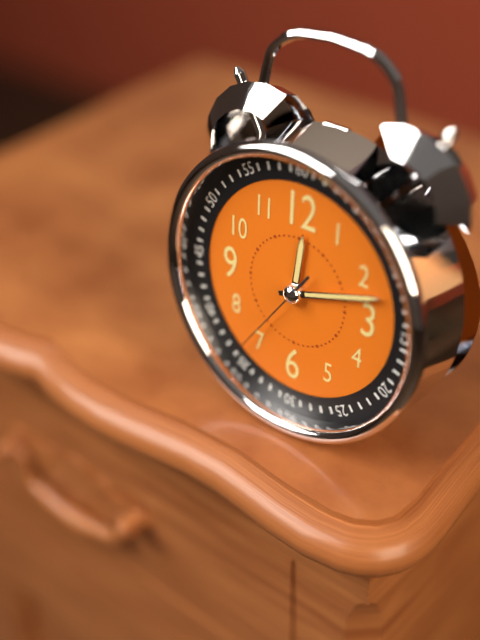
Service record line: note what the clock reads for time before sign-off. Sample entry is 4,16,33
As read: 12,12,36
